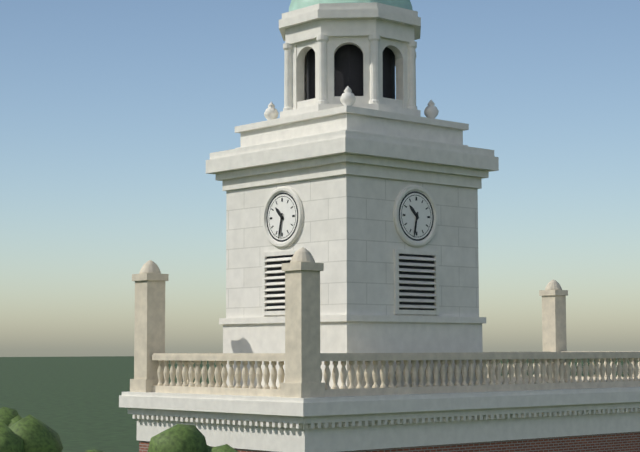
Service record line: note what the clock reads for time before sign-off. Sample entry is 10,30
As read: 10,32
